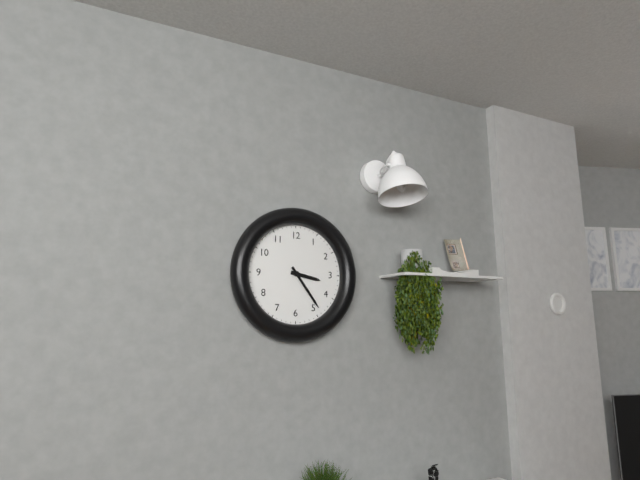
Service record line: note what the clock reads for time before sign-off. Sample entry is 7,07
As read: 3,24
